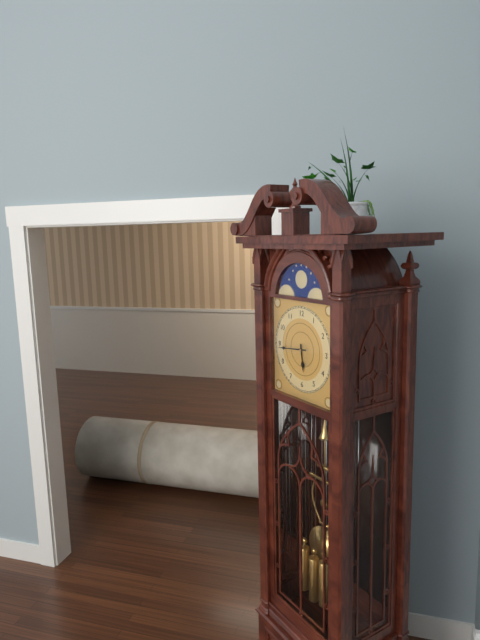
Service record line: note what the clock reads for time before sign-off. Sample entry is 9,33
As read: 5,44
